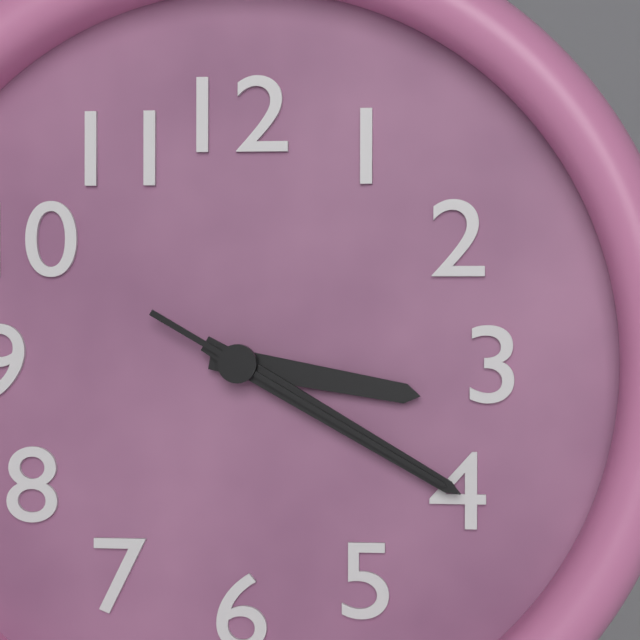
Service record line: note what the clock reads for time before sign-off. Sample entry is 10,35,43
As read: 3,20,20
